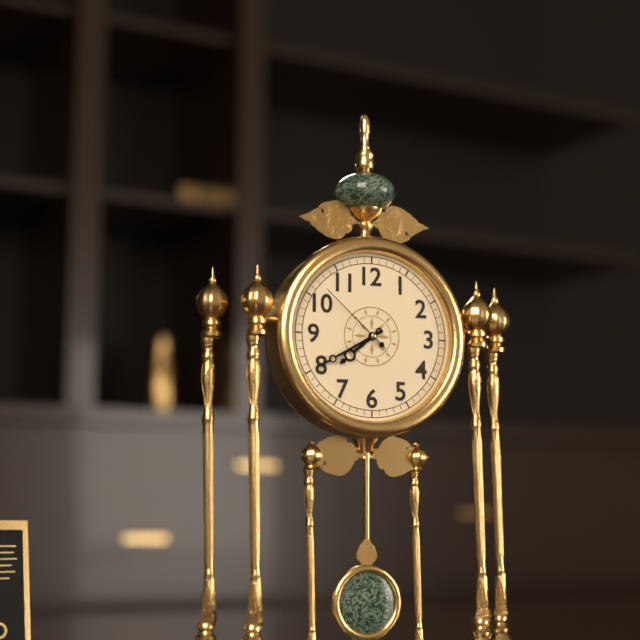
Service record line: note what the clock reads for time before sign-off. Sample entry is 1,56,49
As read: 7,40,52
